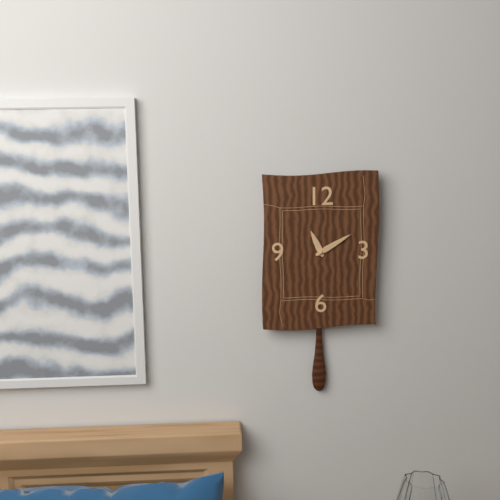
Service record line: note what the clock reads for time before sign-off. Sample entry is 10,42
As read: 11,10
